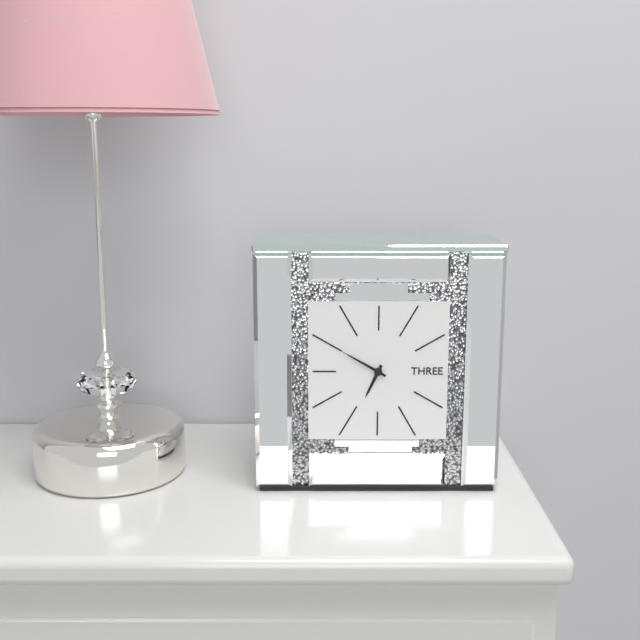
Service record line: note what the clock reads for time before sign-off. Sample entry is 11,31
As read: 6,50
